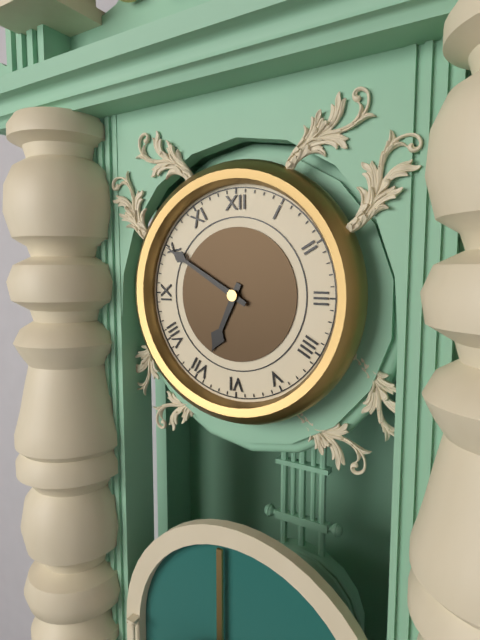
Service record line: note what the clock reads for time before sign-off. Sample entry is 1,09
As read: 6,50
